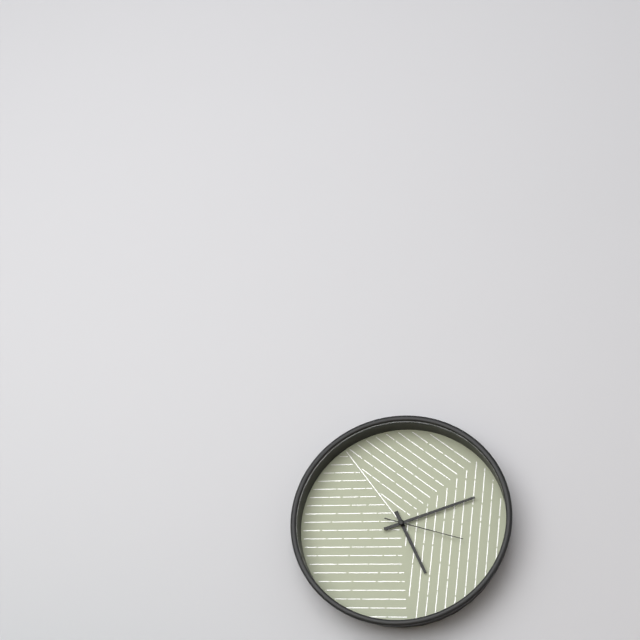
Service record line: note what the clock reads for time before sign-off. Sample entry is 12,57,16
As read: 5,12,18
